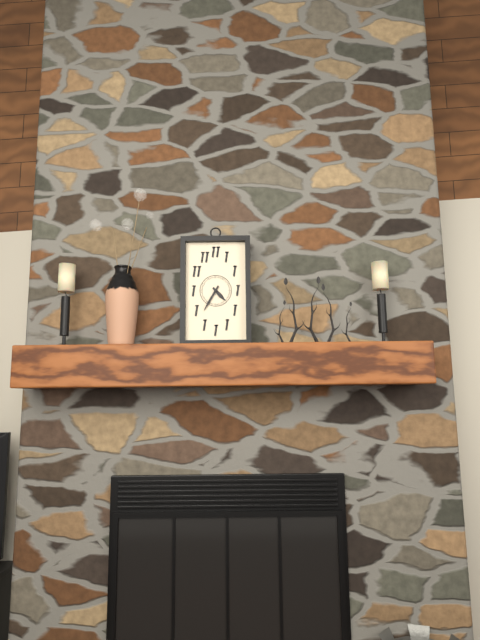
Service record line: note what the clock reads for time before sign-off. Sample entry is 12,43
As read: 4,35
